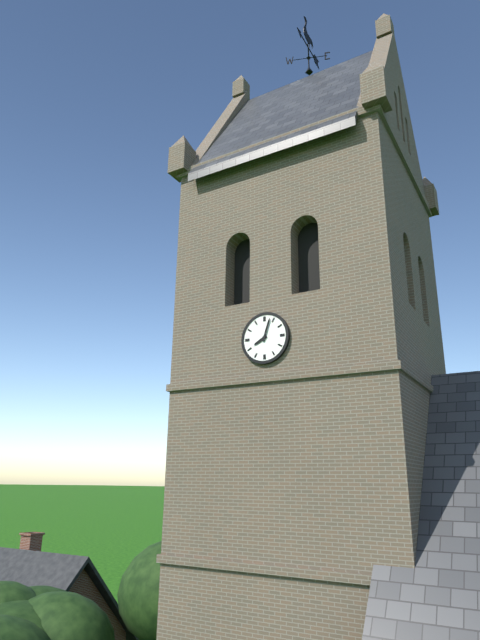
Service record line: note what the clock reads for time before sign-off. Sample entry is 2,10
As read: 8,03
